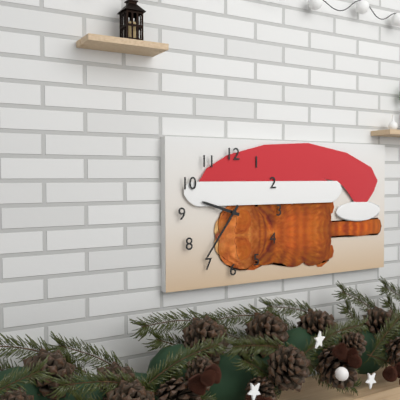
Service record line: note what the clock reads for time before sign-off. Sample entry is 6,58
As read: 9,36
